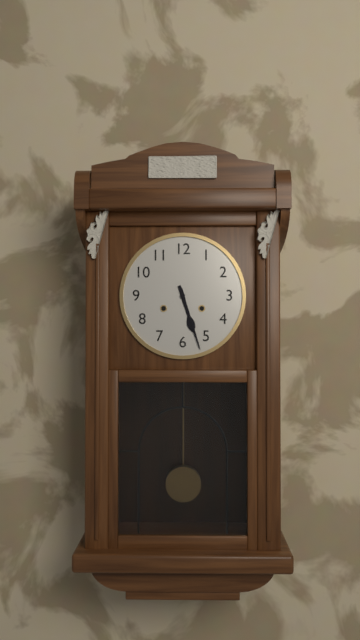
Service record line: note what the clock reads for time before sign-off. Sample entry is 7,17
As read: 5,27
